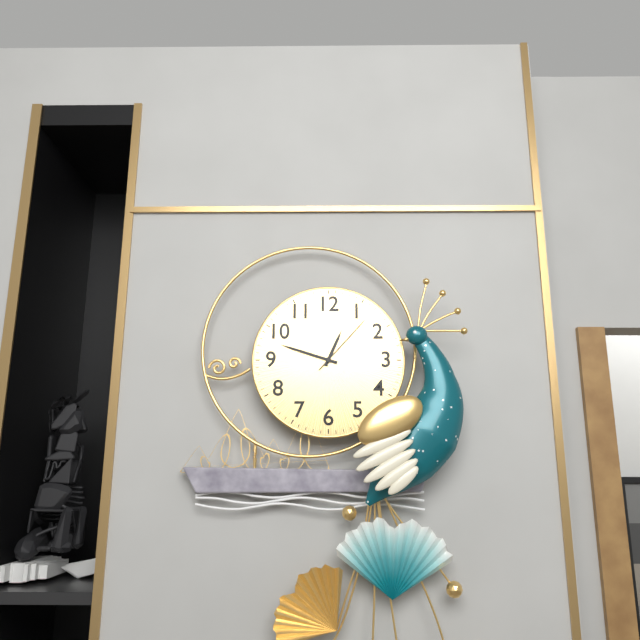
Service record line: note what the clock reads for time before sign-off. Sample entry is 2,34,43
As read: 12,48,07
